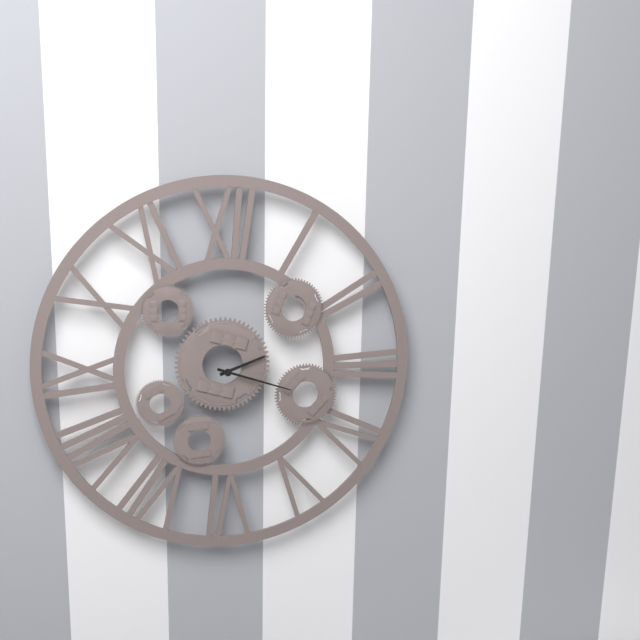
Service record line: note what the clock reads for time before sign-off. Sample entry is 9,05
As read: 2,18
